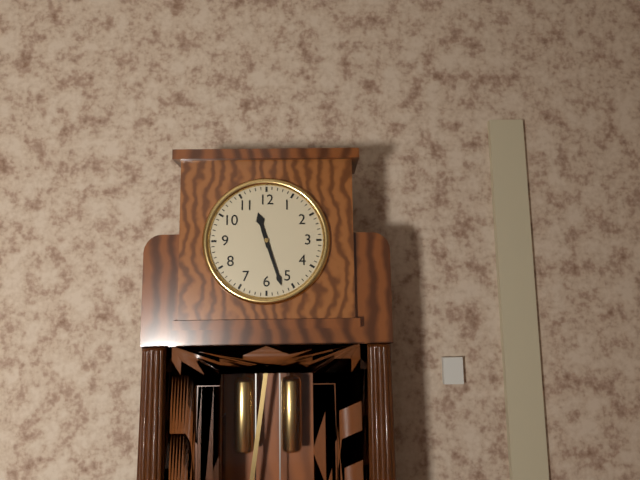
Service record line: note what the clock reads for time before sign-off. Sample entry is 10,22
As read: 11,27
